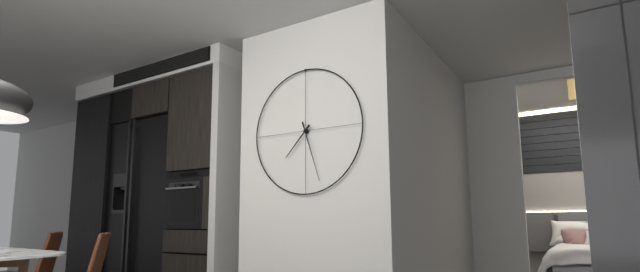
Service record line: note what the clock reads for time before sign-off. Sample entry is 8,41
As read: 7,27
